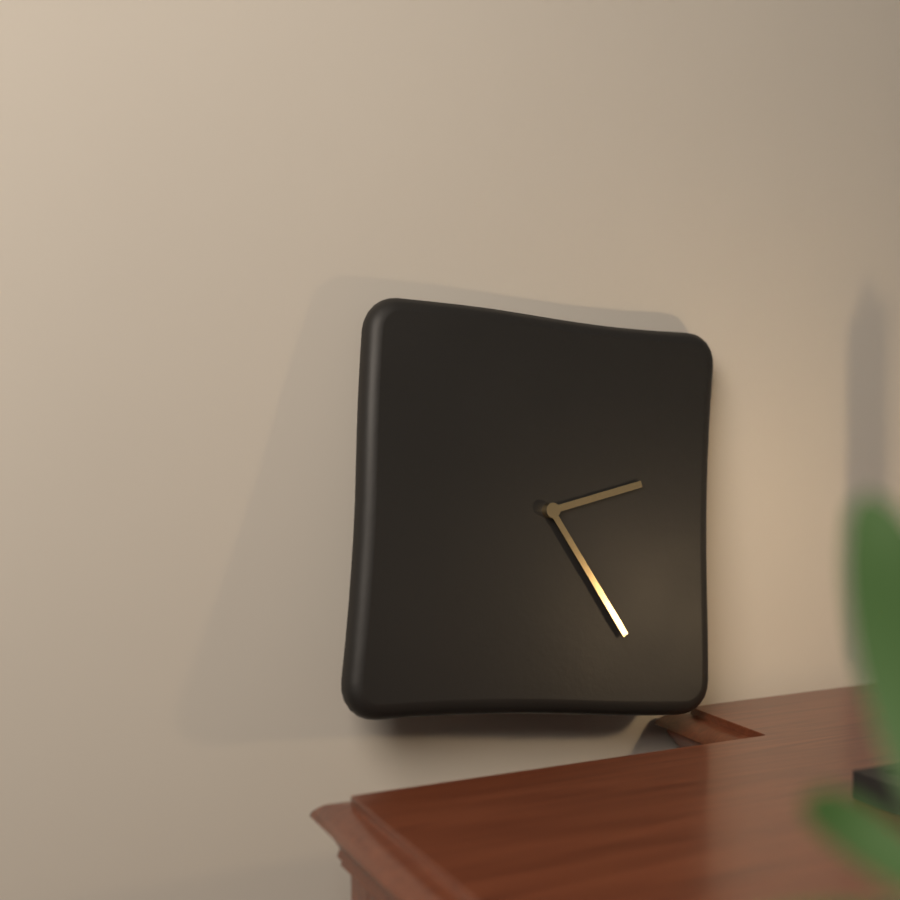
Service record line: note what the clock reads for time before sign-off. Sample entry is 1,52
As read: 2,24
